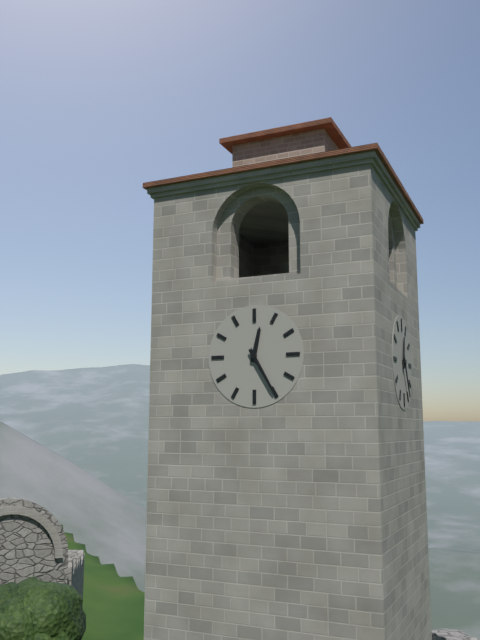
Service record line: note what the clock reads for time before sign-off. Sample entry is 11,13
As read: 12,25
